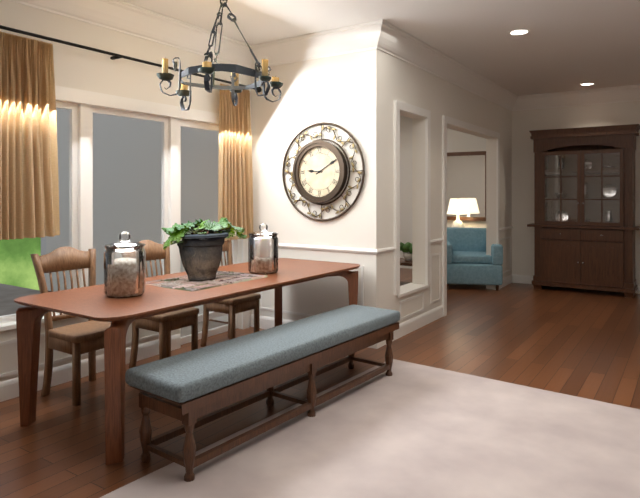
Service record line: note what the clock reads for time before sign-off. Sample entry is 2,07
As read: 9,10
